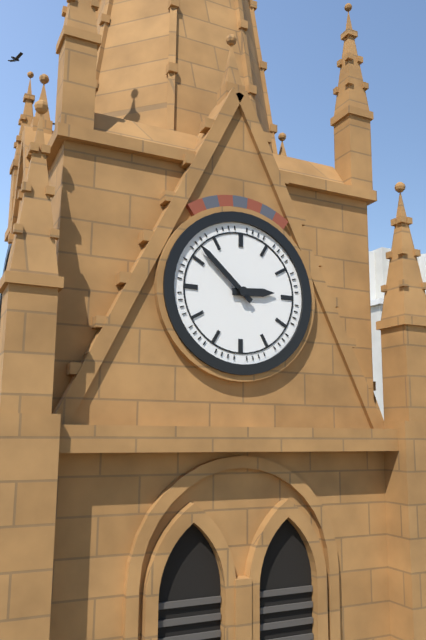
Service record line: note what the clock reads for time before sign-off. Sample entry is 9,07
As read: 2,52
